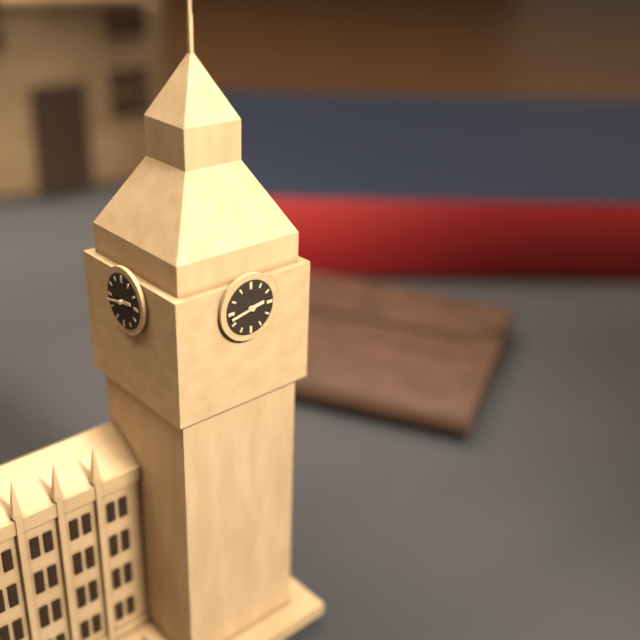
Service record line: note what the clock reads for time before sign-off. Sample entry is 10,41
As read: 2,43
